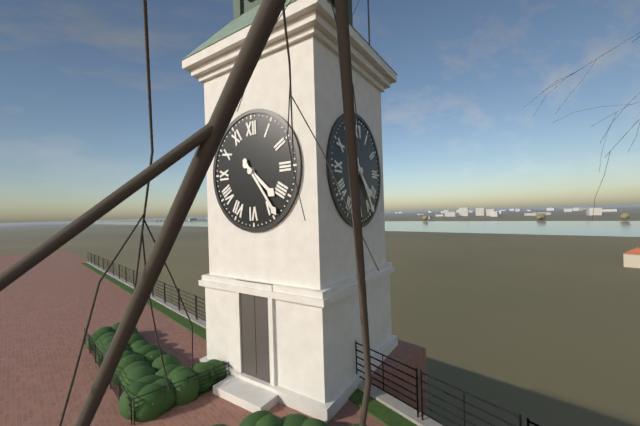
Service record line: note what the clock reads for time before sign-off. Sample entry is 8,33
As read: 4,24
